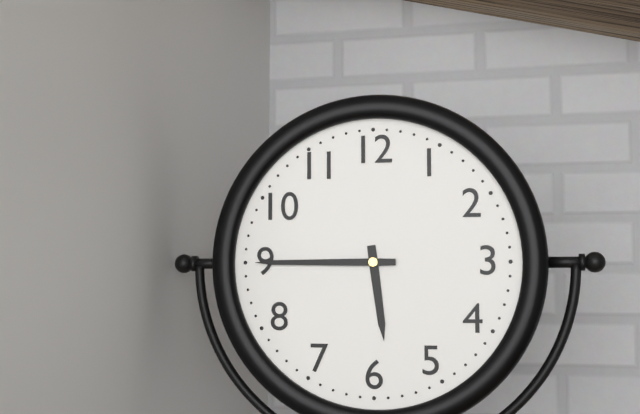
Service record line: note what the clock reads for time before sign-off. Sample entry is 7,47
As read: 5,45
